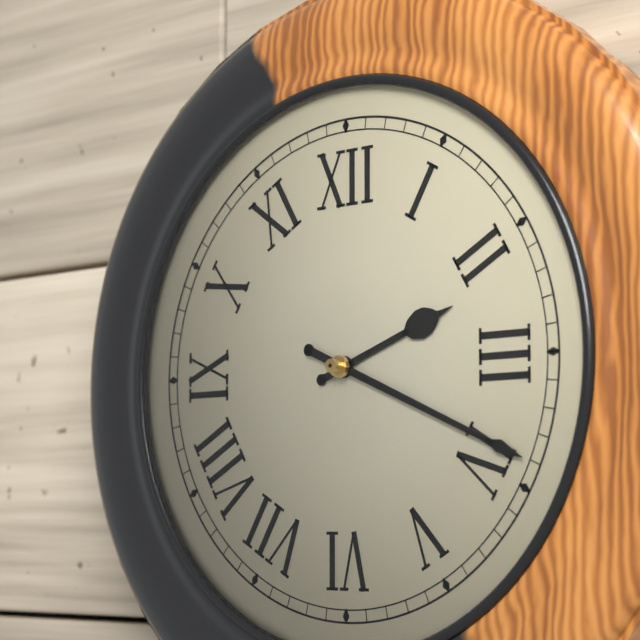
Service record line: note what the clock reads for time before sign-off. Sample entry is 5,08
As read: 2,19
